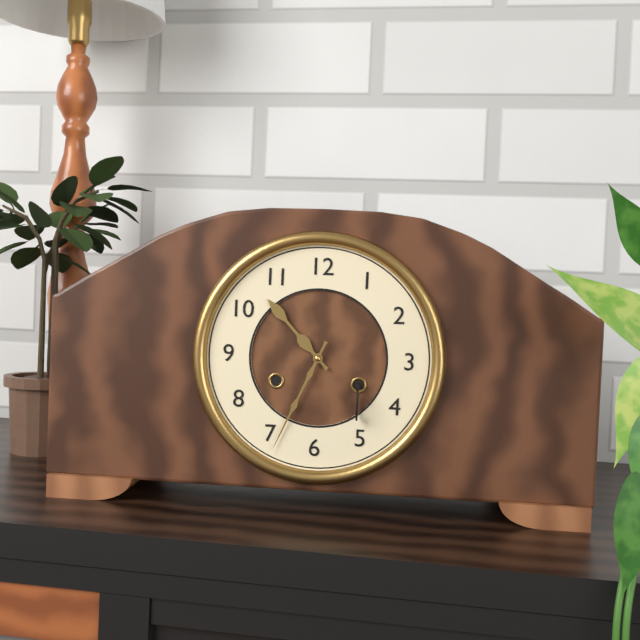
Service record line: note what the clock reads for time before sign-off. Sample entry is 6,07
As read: 10,34
